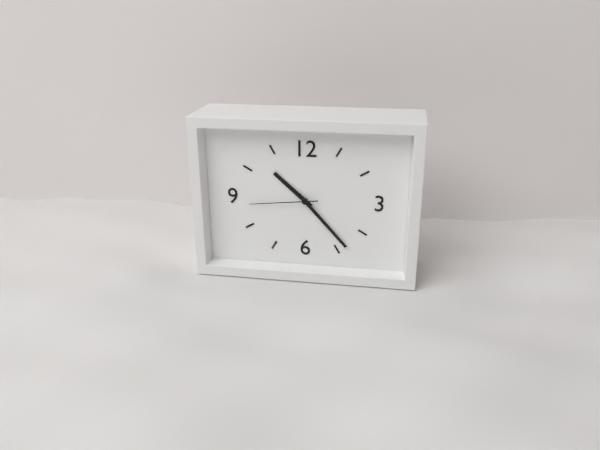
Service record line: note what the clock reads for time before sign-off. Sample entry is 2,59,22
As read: 10,23,44
